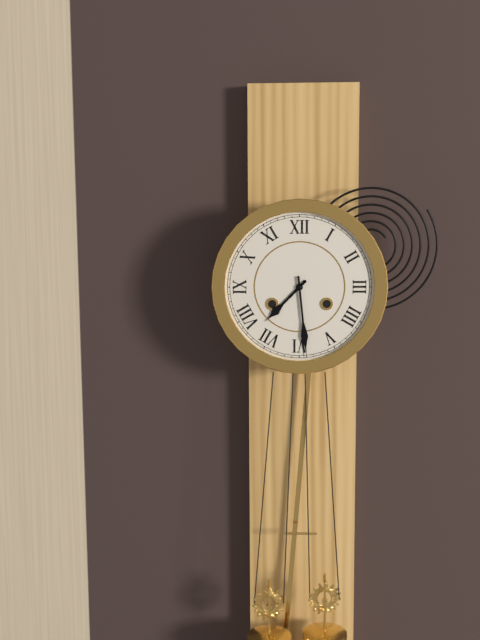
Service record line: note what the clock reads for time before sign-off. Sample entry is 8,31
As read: 7,29
